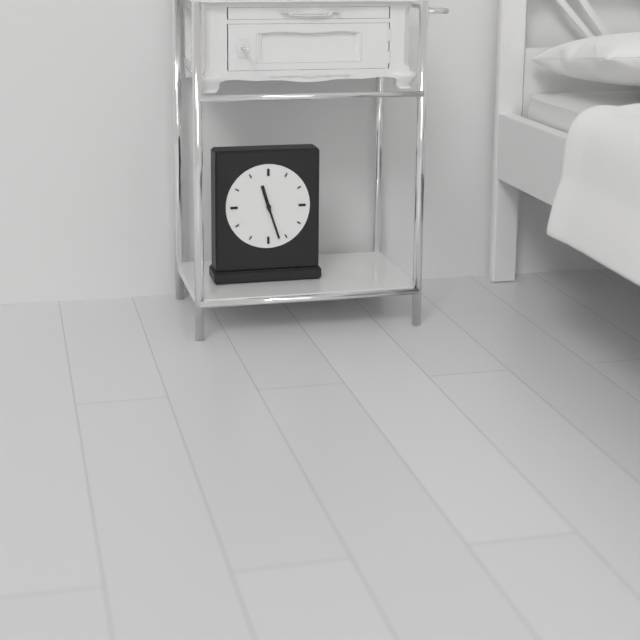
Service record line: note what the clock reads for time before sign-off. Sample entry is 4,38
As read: 11,27
